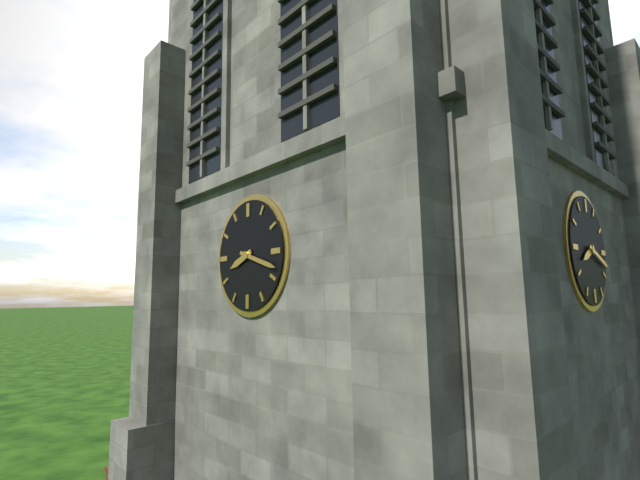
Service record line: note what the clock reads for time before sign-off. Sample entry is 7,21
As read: 8,18
